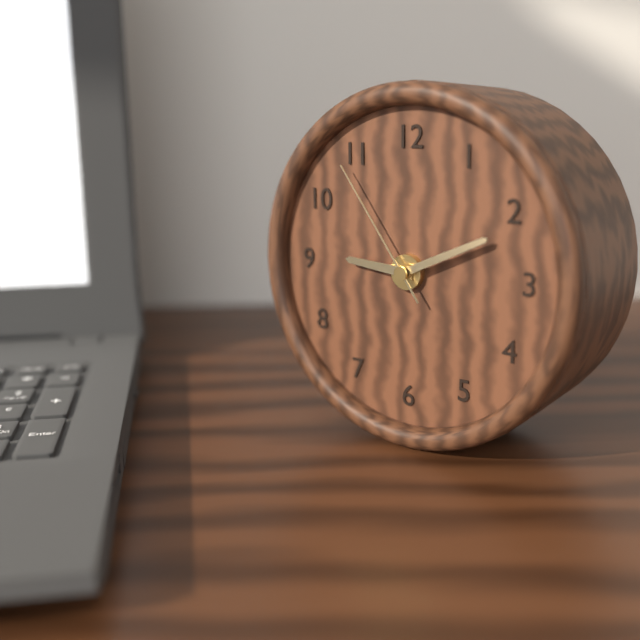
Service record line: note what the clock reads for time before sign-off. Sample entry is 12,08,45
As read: 9,11,54
